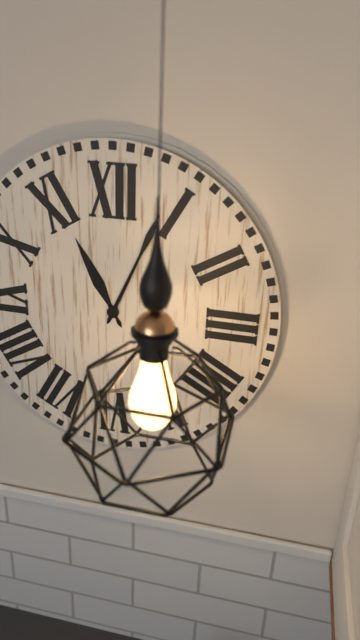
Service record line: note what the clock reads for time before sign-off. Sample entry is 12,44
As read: 11,04
